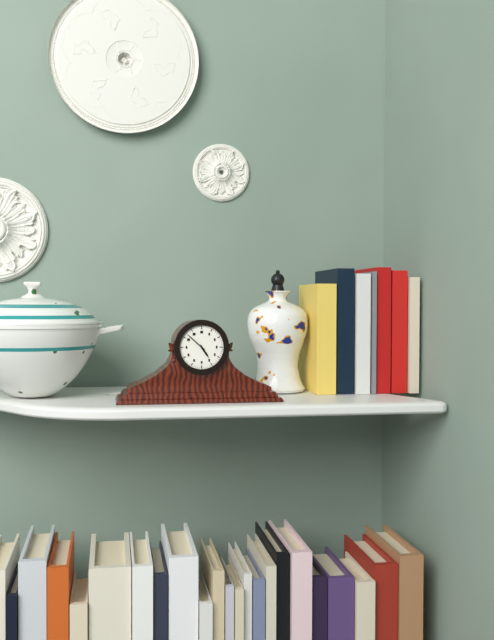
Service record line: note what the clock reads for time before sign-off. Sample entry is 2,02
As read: 4,52
